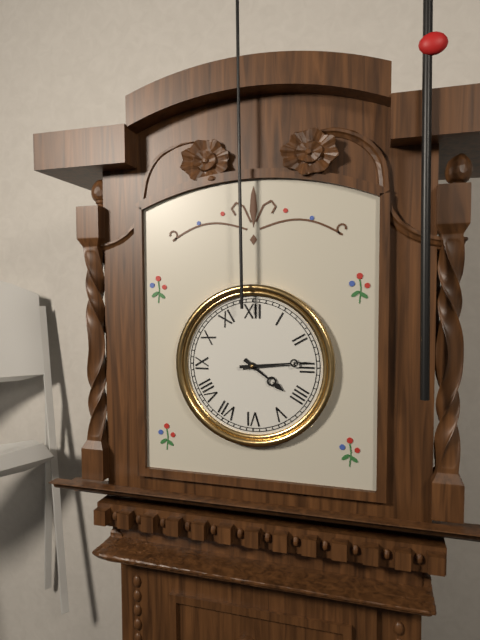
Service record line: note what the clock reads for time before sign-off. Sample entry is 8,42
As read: 4,14
